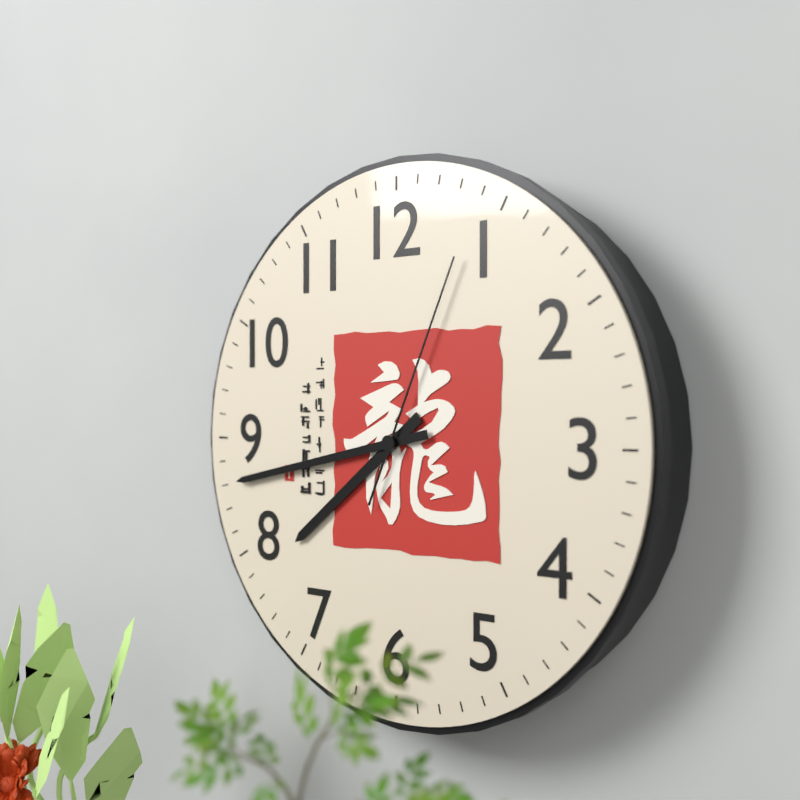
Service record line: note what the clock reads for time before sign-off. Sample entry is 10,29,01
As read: 7,43,04
